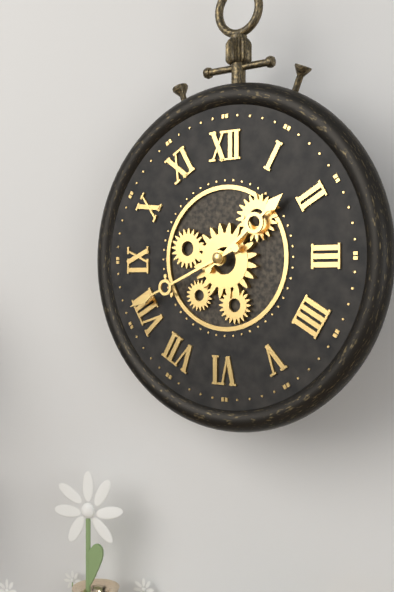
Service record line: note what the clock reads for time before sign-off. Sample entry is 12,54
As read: 1,41
